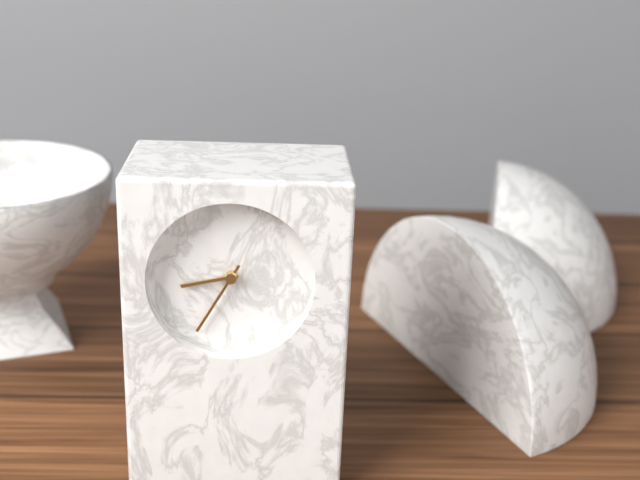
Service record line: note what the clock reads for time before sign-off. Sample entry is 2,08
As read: 8,35
